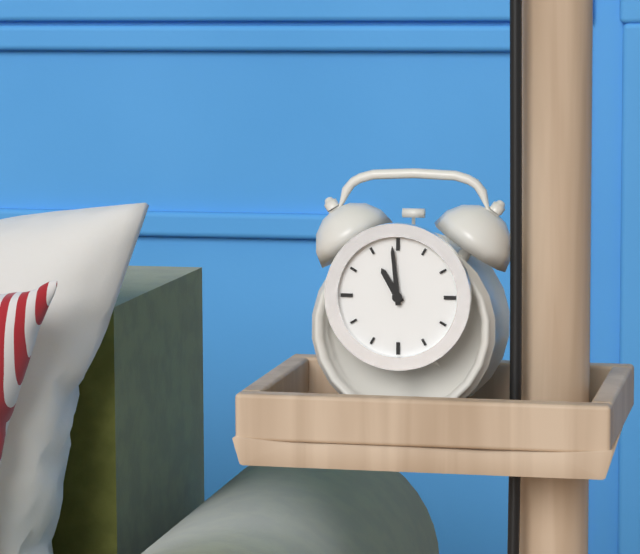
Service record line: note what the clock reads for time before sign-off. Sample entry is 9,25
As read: 10,59
